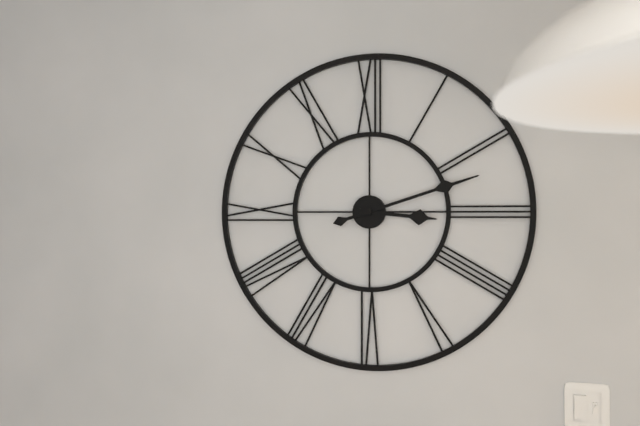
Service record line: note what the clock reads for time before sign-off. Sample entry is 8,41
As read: 3,12
